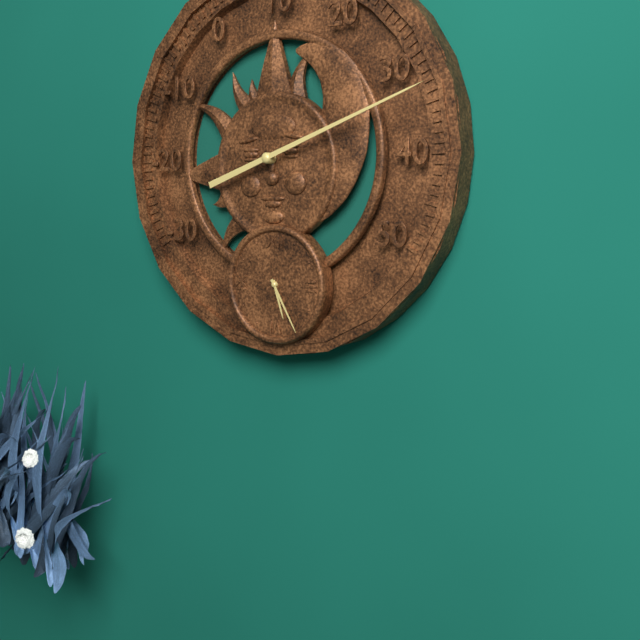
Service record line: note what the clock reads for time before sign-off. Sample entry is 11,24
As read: 5,25
